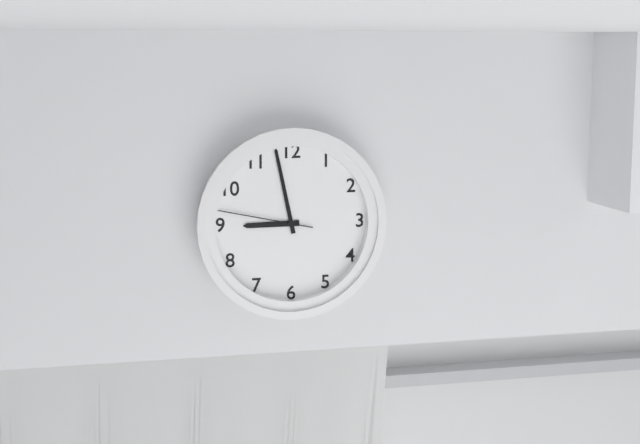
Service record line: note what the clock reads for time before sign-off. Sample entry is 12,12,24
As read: 8,58,47
